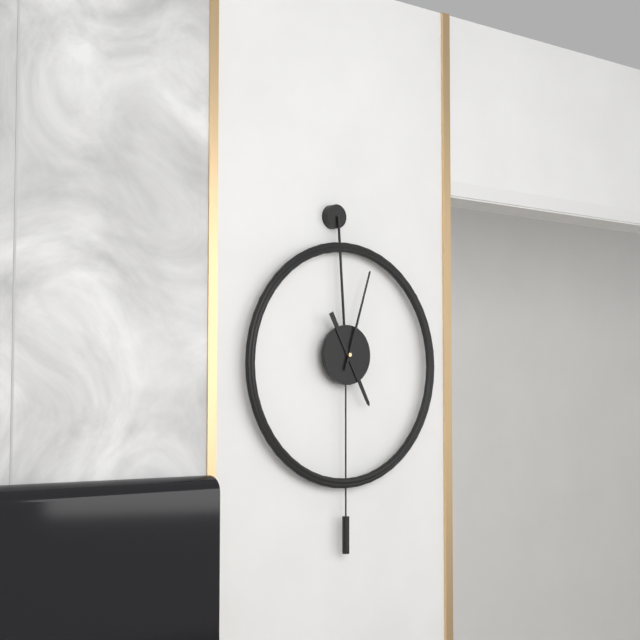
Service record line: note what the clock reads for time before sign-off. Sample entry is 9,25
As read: 5,03
